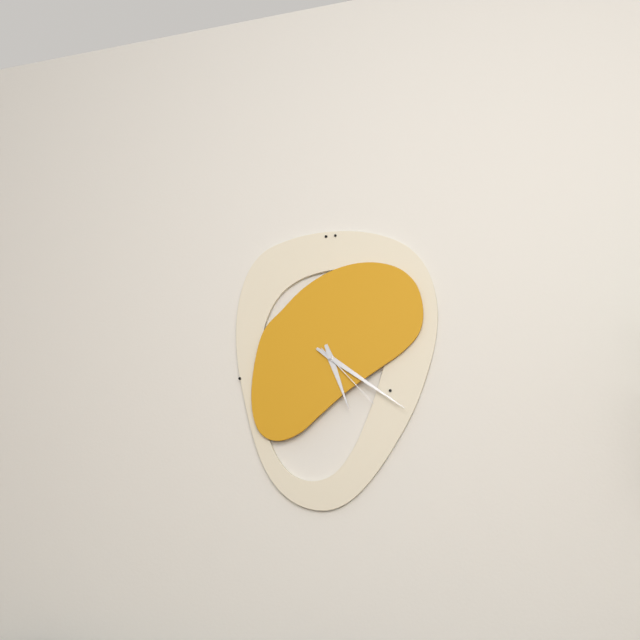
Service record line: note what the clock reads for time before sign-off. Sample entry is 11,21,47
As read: 5,21,23
